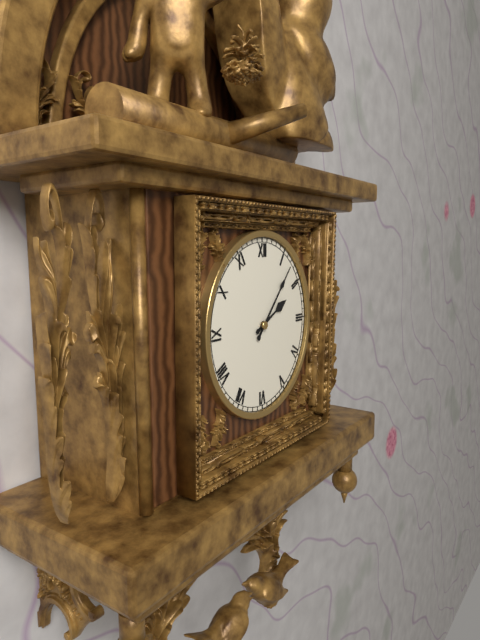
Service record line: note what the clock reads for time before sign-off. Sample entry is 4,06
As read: 2,07
